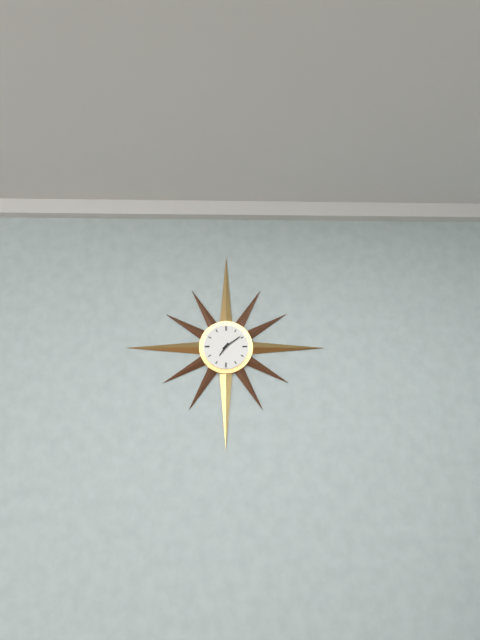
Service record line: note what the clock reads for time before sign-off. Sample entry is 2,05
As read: 7,09
